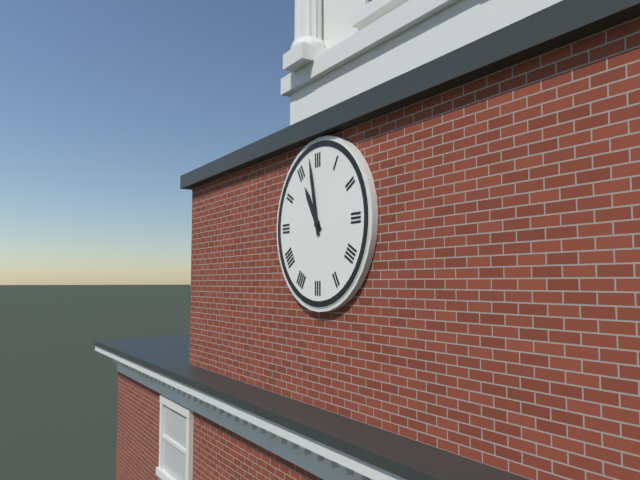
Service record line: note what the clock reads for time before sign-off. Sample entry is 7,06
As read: 10,58
